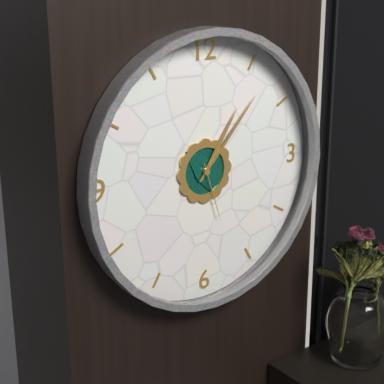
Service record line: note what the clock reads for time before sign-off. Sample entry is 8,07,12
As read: 1,07,27
